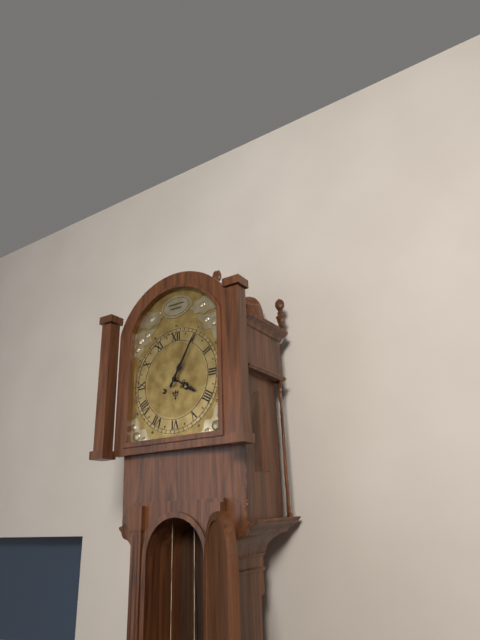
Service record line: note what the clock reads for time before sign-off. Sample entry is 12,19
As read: 4,05
